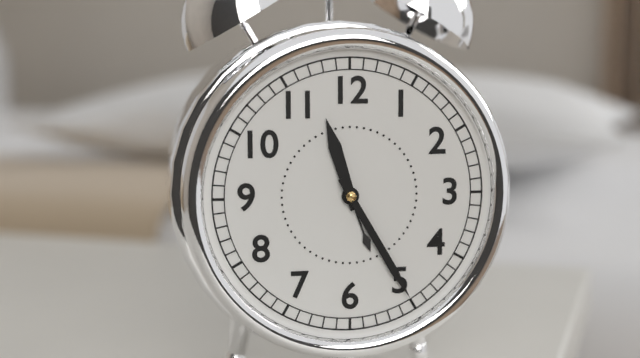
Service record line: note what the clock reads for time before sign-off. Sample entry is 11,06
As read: 11,25
